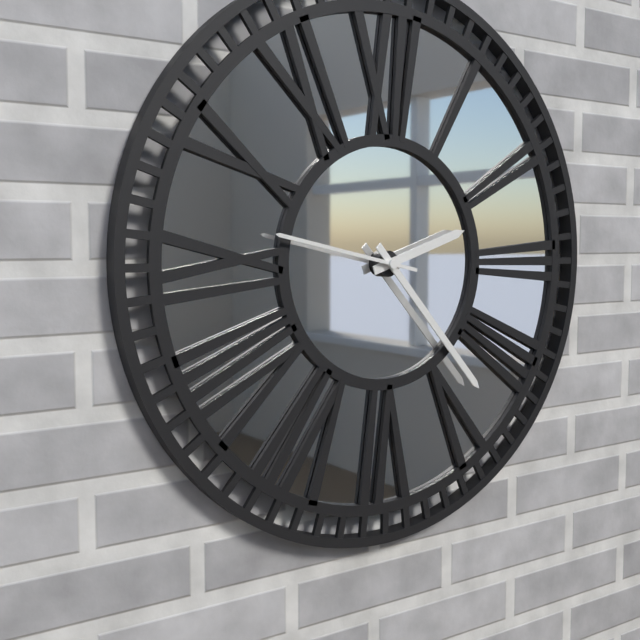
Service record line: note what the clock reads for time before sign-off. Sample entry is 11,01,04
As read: 2,23,47
